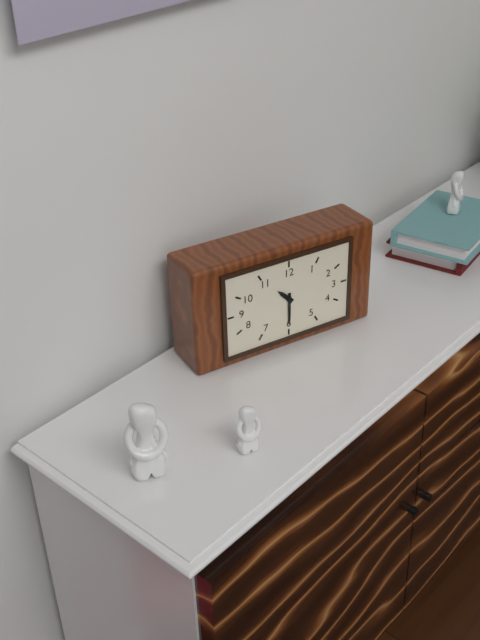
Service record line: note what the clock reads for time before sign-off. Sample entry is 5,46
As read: 10,30
